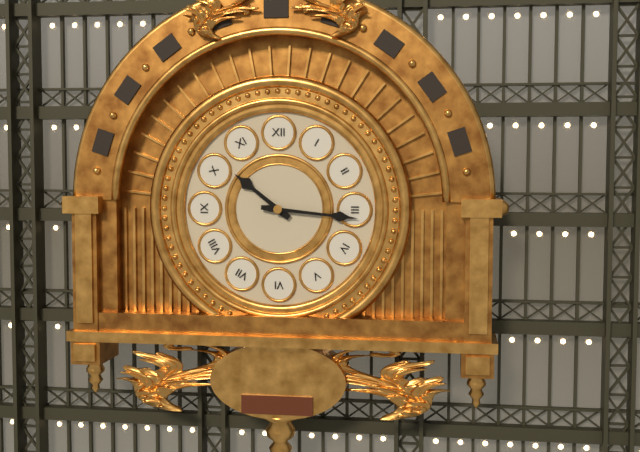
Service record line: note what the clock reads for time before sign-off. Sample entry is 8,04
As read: 10,16
